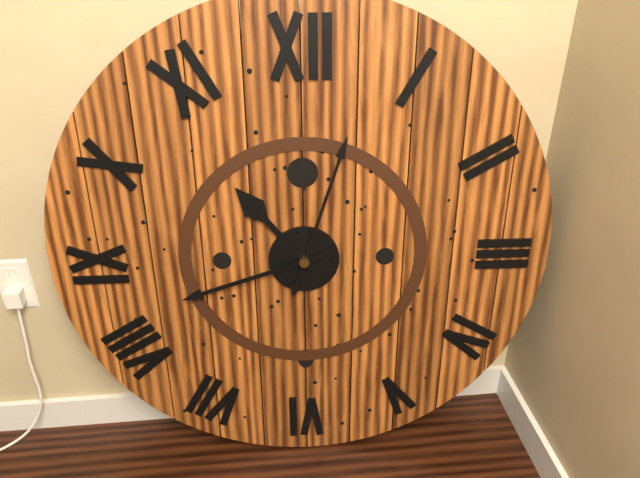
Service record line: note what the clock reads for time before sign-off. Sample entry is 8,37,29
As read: 10,42,03
